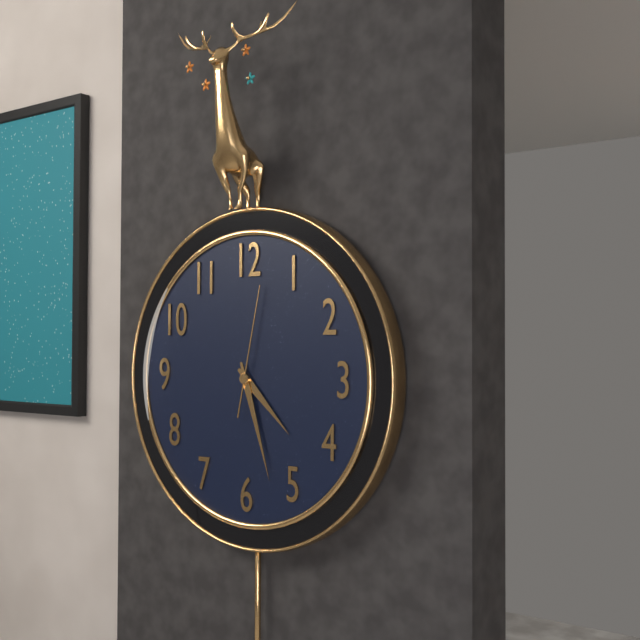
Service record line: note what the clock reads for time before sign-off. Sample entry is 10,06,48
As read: 4,27,02
